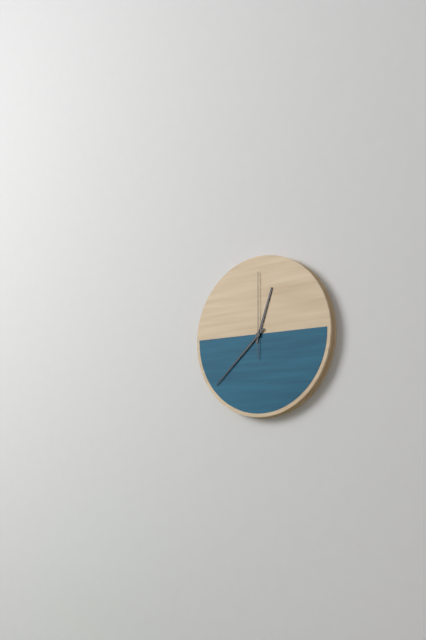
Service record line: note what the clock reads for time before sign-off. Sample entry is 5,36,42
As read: 12,38,00
